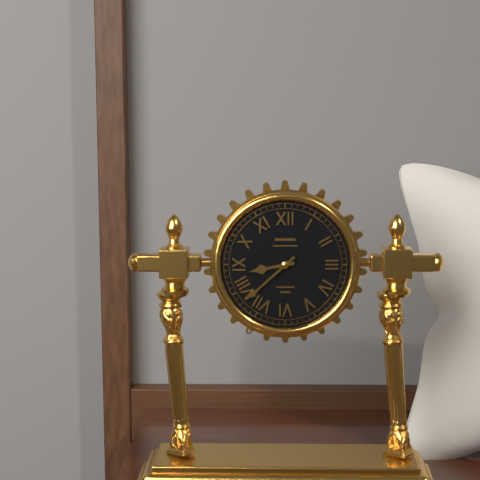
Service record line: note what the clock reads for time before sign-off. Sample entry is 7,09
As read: 8,38
